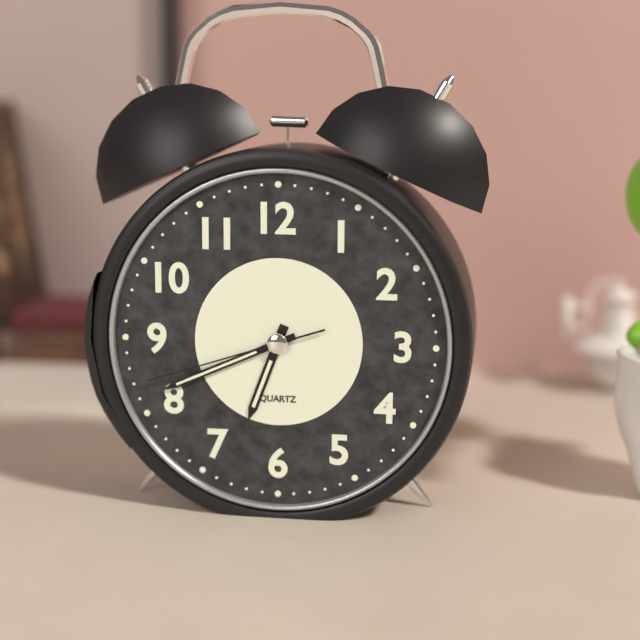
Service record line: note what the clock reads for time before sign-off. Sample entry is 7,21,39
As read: 6,41,42
